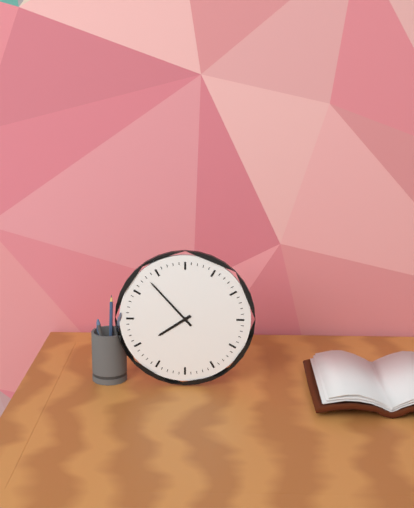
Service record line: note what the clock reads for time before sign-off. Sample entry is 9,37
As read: 7,53
